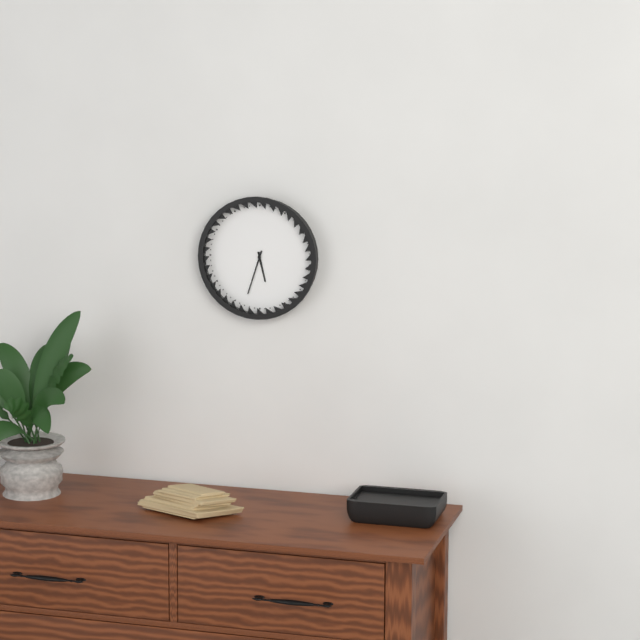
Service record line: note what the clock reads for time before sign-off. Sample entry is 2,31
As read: 5,33
